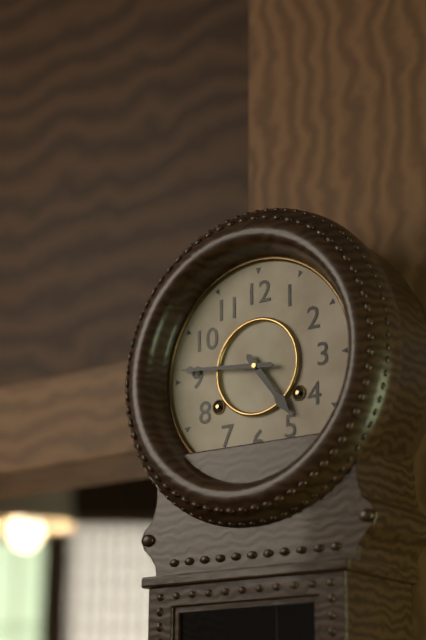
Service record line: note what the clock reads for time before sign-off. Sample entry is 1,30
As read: 4,46
